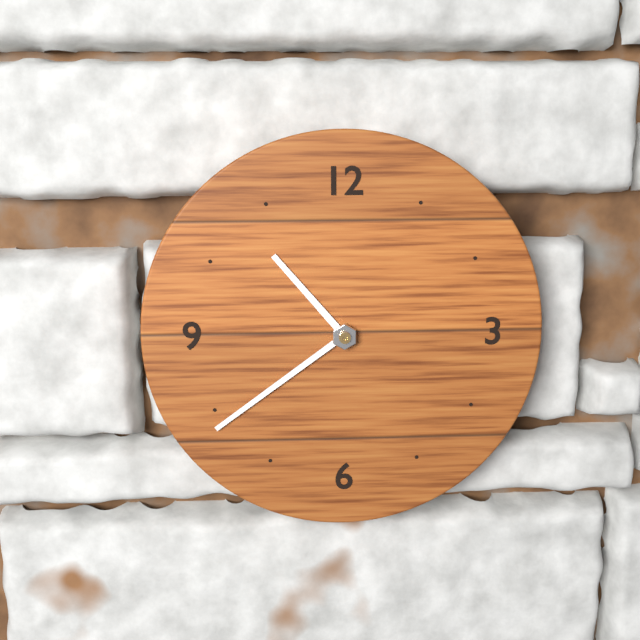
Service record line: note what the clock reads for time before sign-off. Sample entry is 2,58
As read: 10,39
